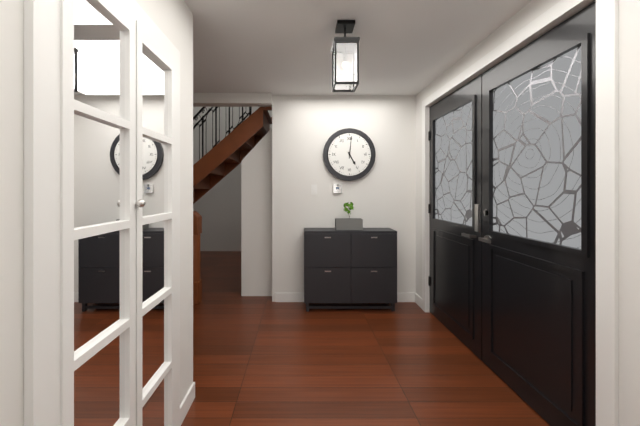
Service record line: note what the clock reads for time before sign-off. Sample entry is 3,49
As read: 5,01
